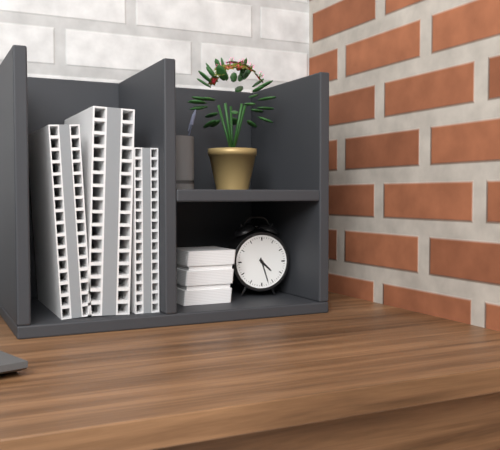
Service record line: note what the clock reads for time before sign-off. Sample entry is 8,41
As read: 4,27
